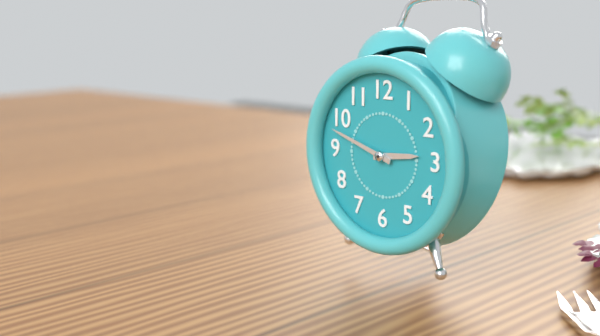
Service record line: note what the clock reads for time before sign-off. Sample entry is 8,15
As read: 2,48
